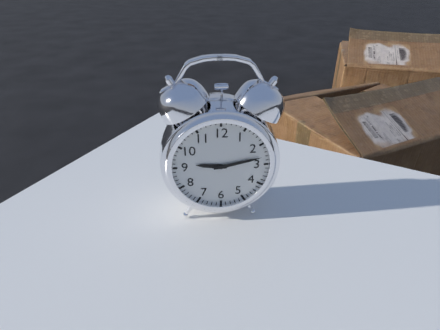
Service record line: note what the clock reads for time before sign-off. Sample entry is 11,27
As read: 9,13
